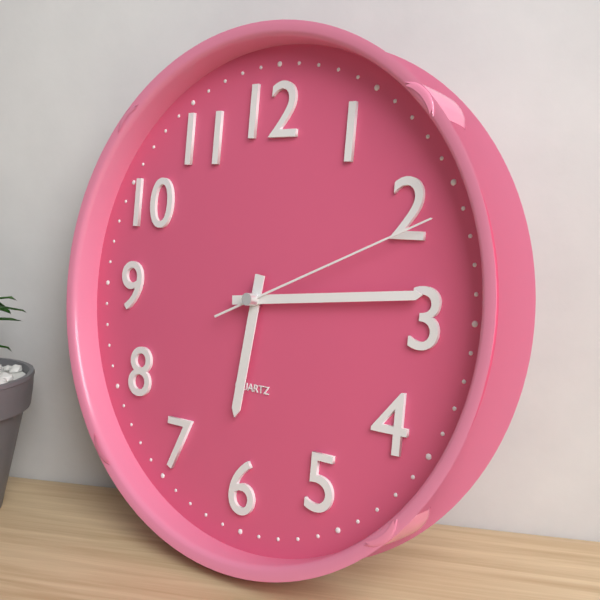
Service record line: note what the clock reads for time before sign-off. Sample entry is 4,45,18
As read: 6,14,11
